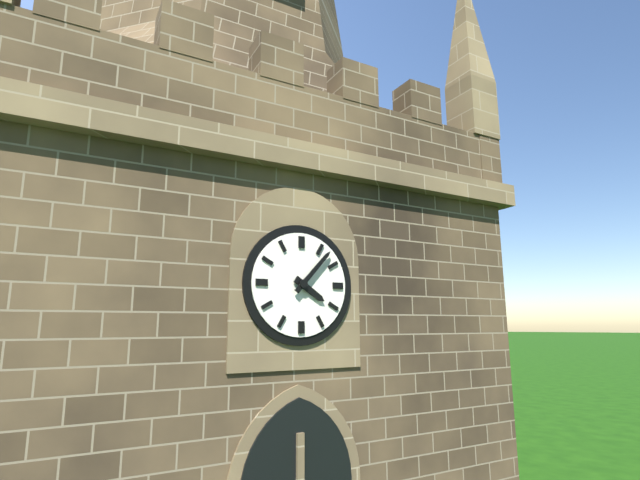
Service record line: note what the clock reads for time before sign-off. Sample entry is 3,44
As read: 4,07
